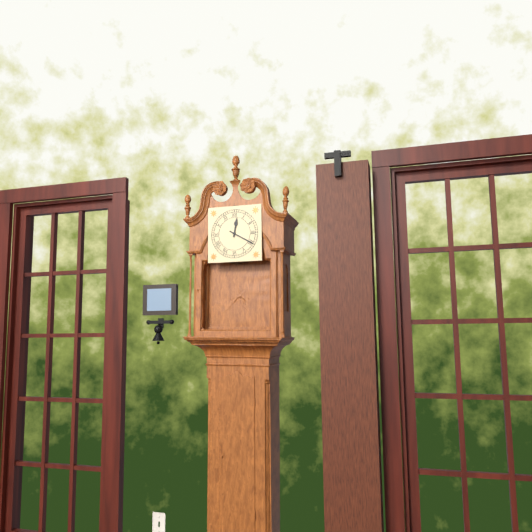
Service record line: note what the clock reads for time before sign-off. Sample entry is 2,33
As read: 12,20
